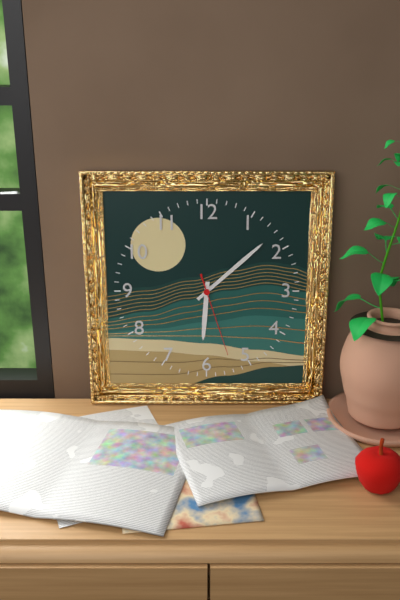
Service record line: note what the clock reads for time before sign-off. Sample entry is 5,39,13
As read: 6,08,27
